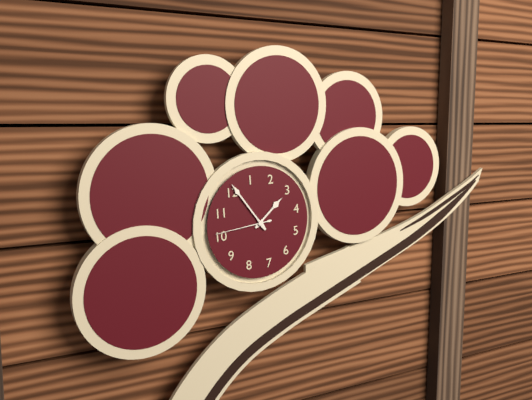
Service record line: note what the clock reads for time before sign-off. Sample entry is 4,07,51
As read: 3,01,51
